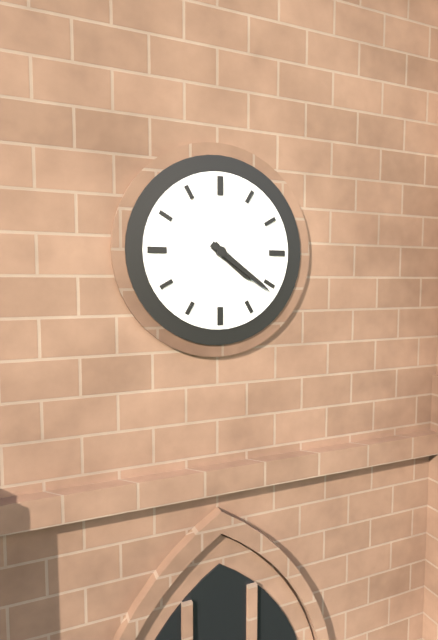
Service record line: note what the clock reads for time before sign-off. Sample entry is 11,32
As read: 4,21
